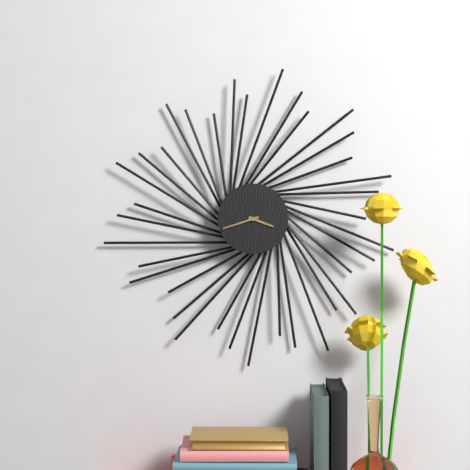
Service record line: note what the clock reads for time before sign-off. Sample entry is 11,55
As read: 3,42
